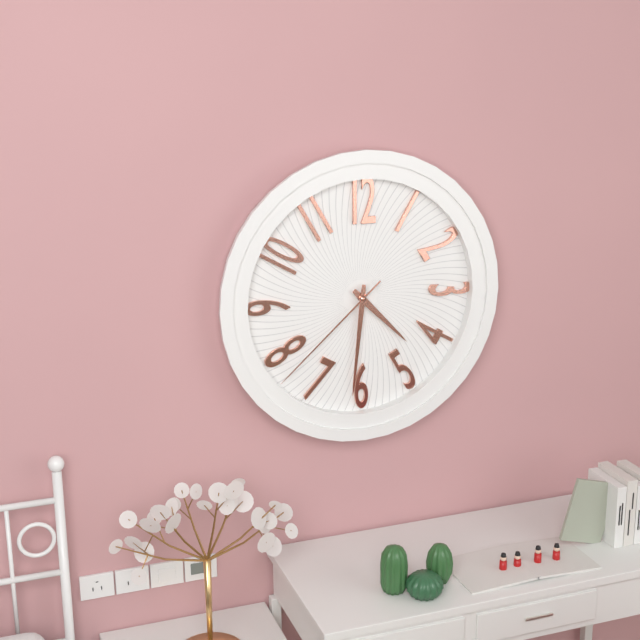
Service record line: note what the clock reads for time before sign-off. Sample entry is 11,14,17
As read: 4,31,38
